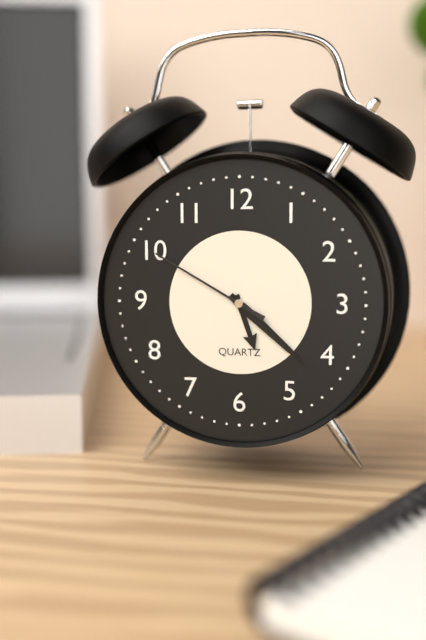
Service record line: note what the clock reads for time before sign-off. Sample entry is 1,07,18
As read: 5,22,50
